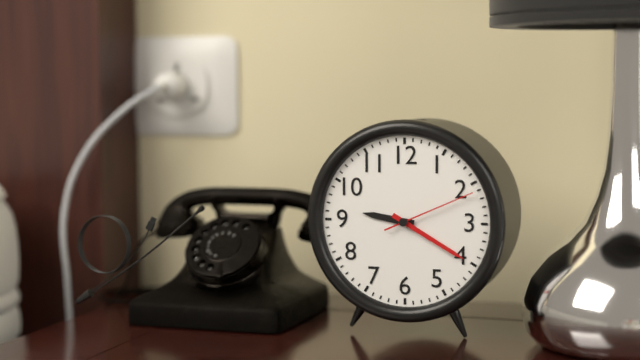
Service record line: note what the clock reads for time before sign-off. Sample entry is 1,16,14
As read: 9,20,11
